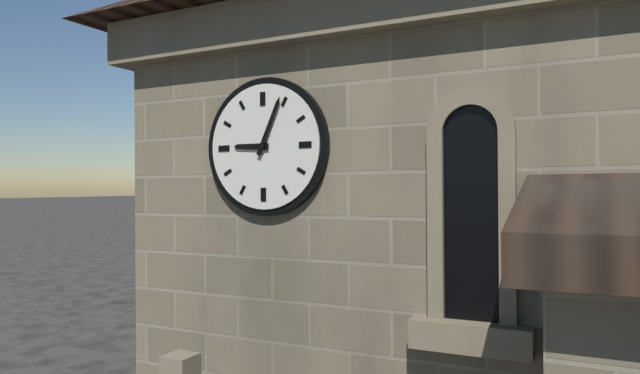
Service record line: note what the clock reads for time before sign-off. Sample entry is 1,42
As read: 9,04
